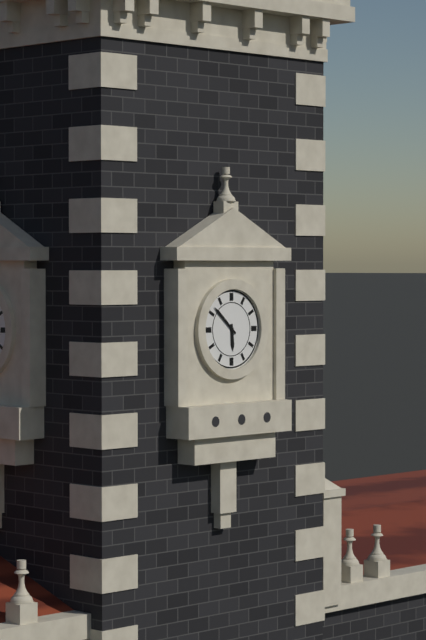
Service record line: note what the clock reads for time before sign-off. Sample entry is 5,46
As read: 5,52
